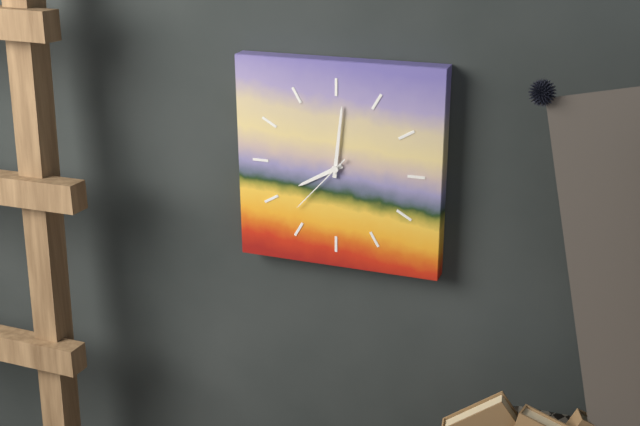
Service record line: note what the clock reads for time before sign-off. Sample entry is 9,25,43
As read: 8,01,37
